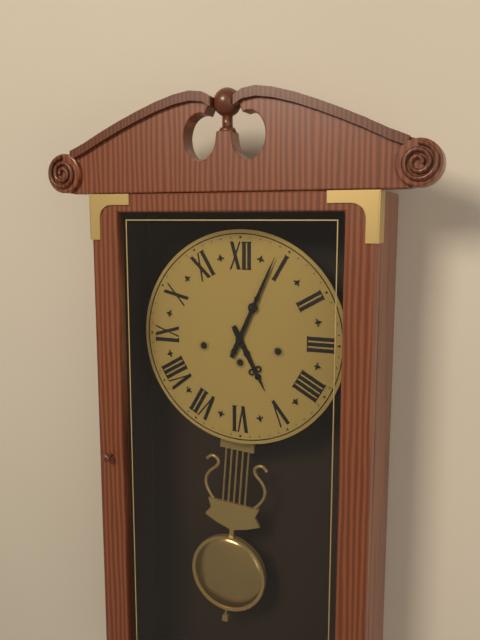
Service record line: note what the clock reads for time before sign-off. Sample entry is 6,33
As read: 5,04
